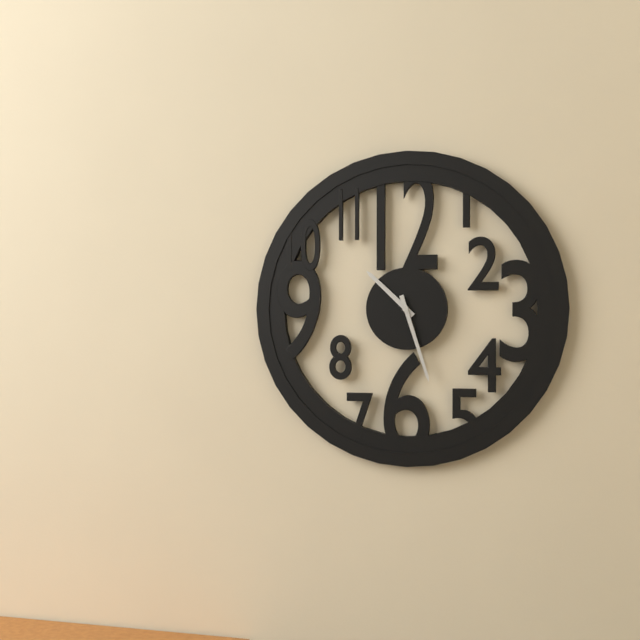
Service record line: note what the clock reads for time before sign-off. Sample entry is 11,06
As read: 10,27
